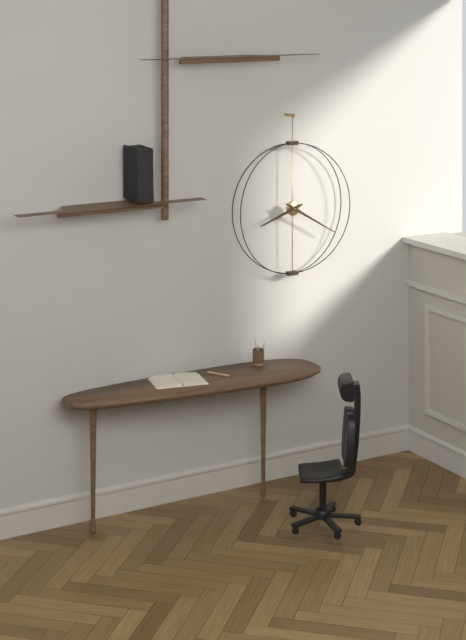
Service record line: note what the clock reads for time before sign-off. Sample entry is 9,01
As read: 8,20
